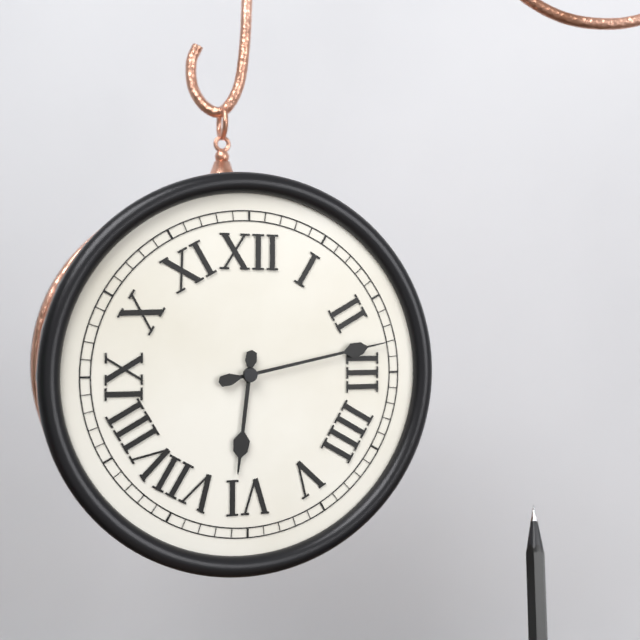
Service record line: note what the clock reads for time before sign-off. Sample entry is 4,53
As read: 6,13
